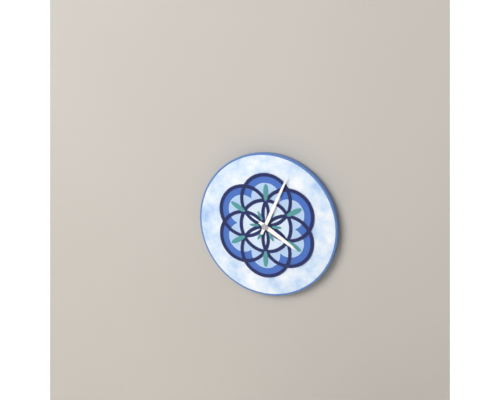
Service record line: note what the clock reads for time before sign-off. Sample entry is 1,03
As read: 4,04
